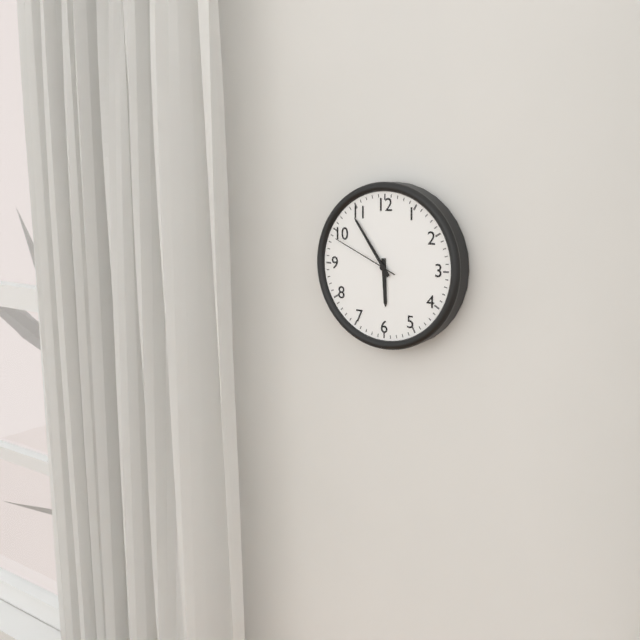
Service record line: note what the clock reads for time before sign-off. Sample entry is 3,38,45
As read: 5,54,49
